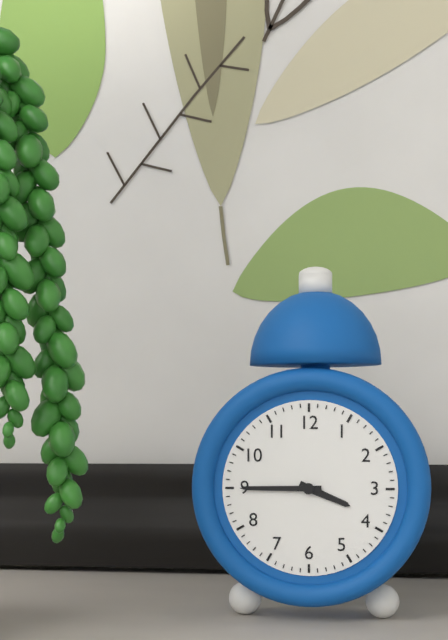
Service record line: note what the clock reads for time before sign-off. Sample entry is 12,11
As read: 3,45
